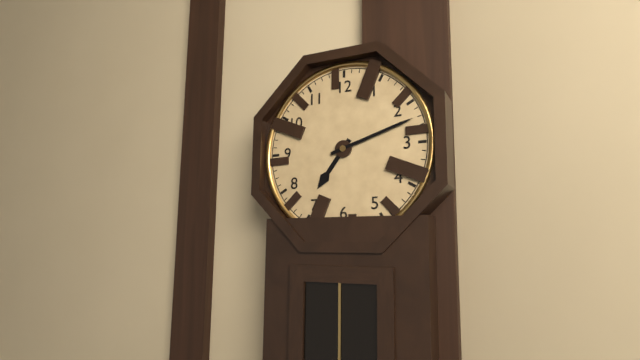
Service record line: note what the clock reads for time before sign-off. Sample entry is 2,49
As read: 7,12
